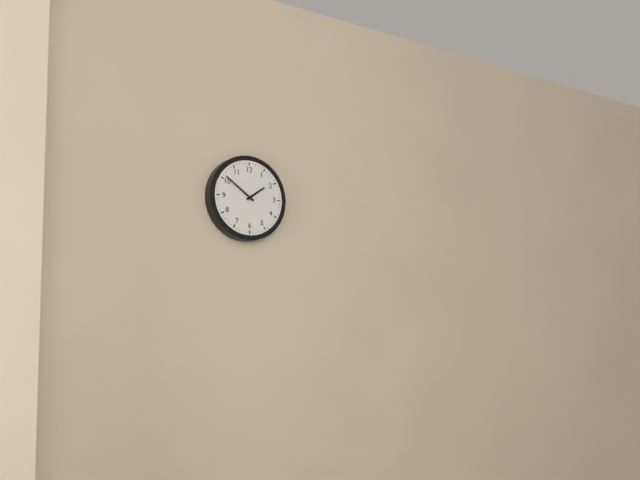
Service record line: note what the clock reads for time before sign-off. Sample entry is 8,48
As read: 1,51
